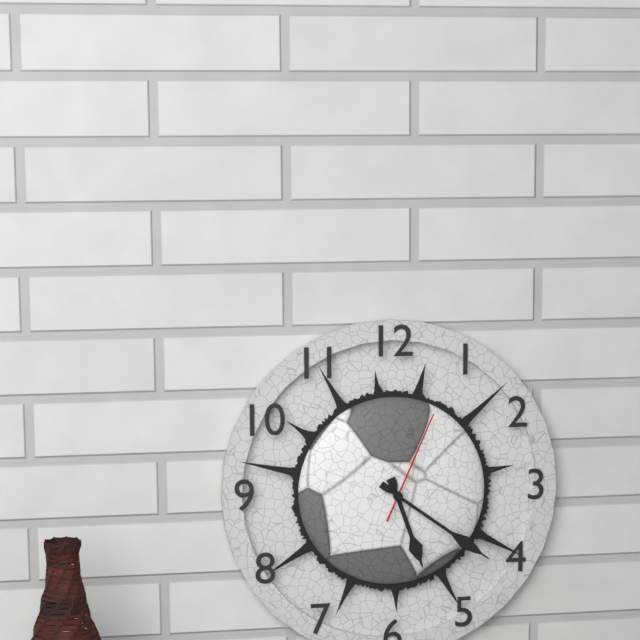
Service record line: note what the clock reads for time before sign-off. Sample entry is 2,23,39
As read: 5,21,04
